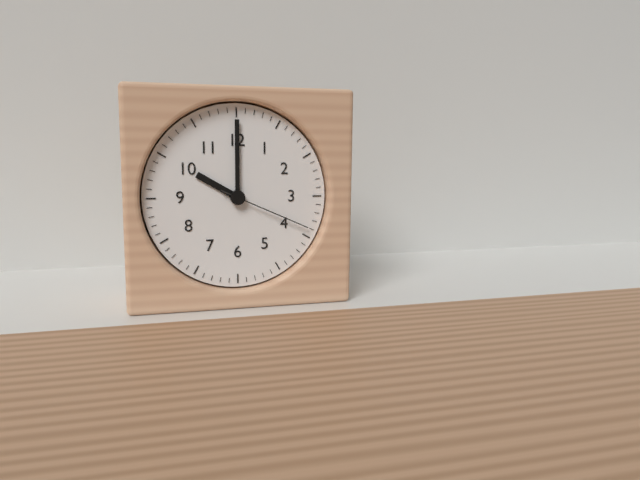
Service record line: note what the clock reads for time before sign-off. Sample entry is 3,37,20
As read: 10,00,19
